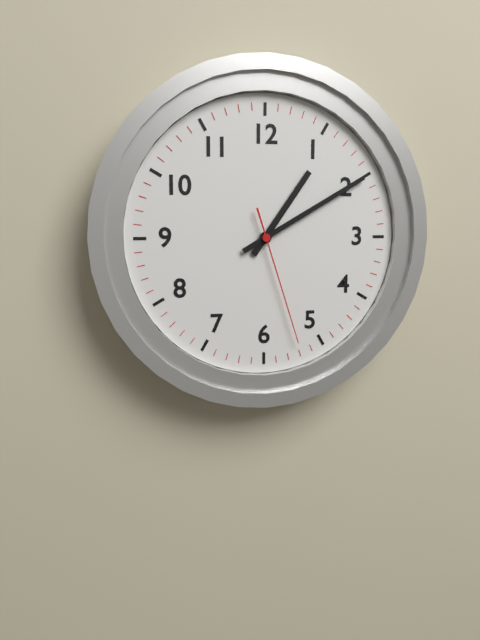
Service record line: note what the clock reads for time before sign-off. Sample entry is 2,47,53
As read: 1,10,27
